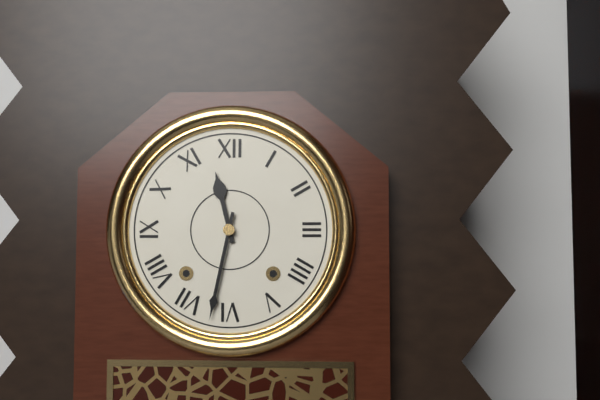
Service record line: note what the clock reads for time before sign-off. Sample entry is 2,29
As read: 11,32
